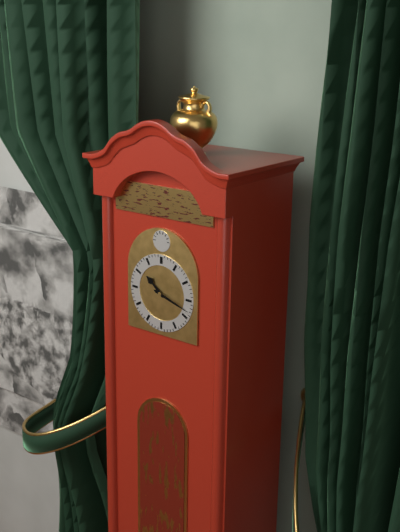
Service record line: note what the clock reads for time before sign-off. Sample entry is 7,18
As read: 10,18
